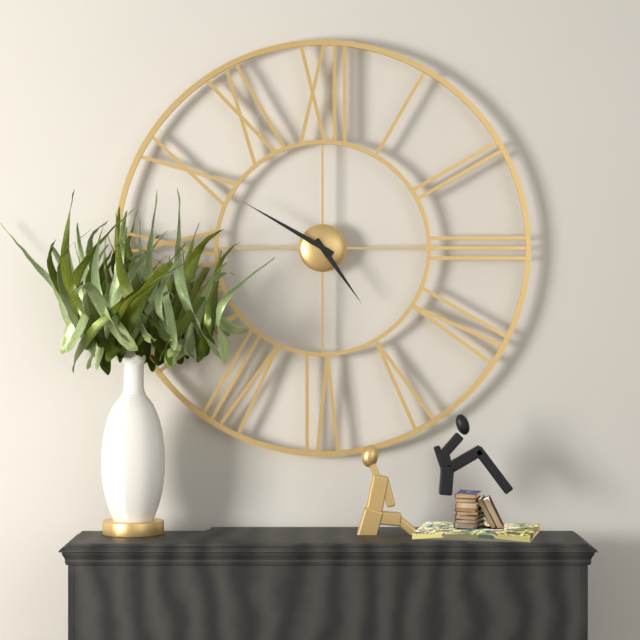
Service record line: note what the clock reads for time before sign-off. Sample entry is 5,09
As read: 4,50
